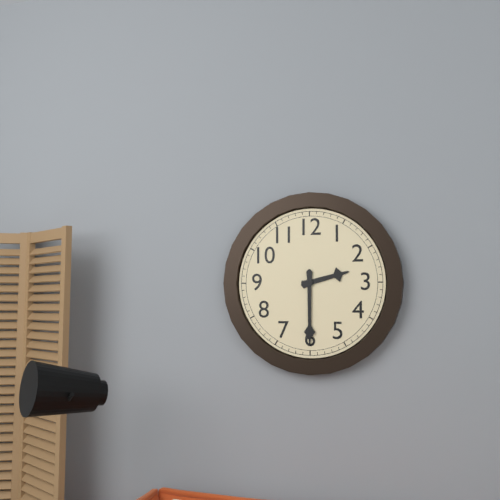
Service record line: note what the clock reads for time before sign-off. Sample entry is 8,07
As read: 2,30
